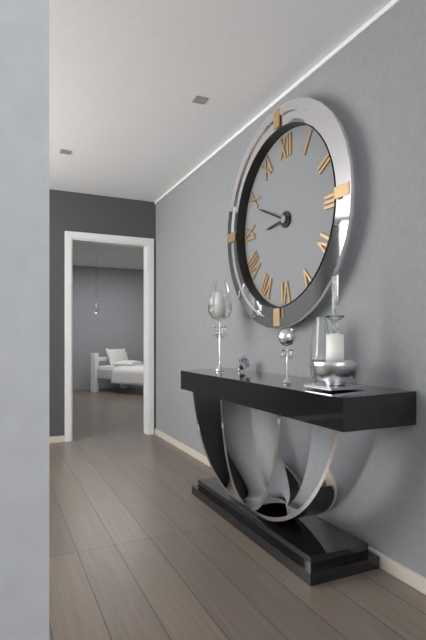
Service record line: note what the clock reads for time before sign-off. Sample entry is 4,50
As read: 8,49
